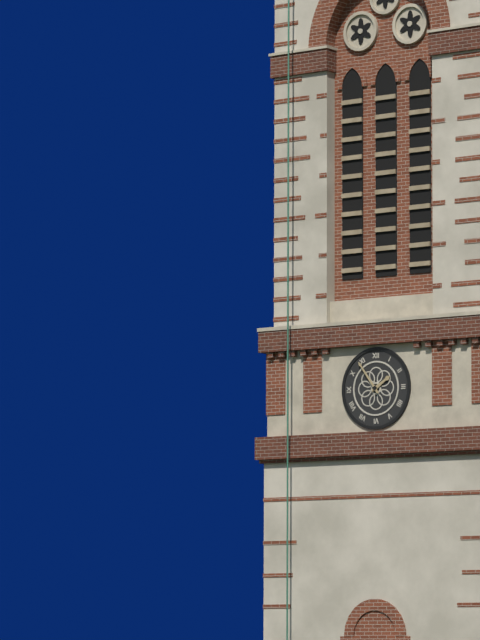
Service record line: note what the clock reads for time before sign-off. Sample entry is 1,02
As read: 1,54
